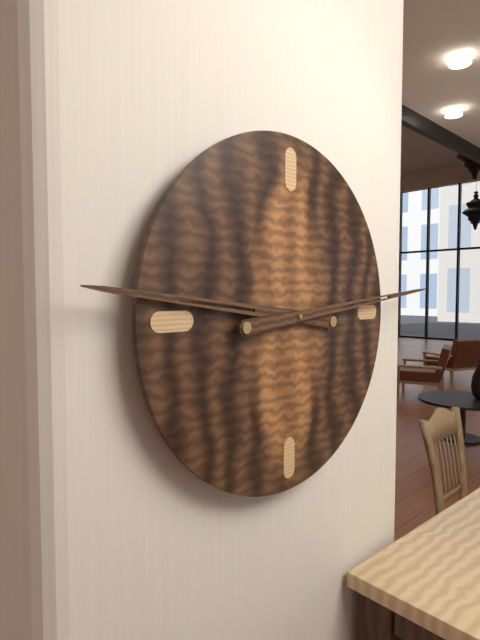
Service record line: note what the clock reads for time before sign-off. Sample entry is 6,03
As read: 9,14
